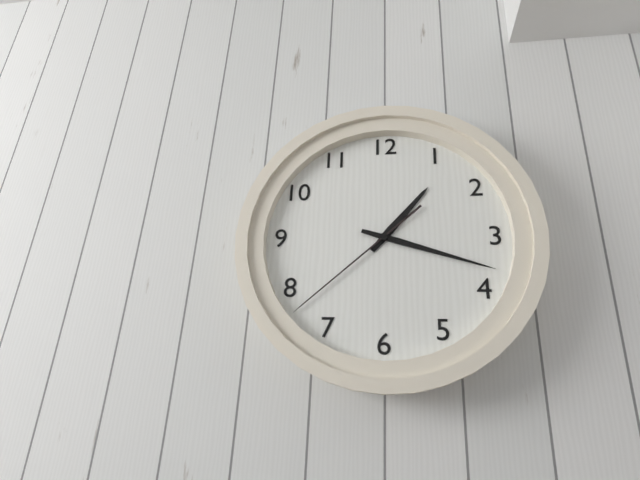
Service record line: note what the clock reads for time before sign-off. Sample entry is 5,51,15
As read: 1,18,38
